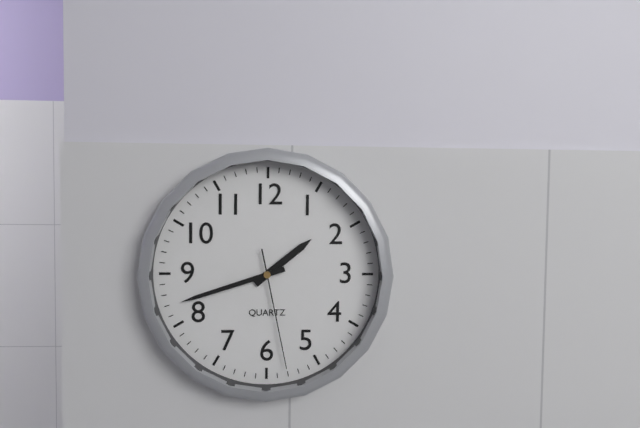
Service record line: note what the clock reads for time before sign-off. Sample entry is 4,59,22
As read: 1,42,28
